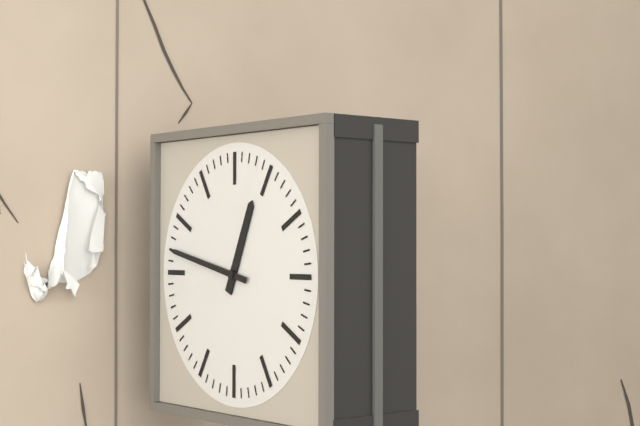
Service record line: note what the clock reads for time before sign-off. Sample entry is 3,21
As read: 12,47
